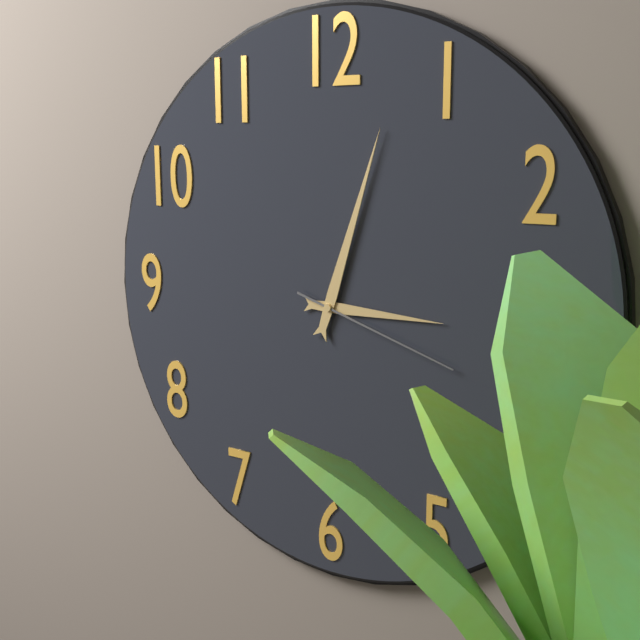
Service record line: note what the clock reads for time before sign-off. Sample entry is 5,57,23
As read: 3,03,18
